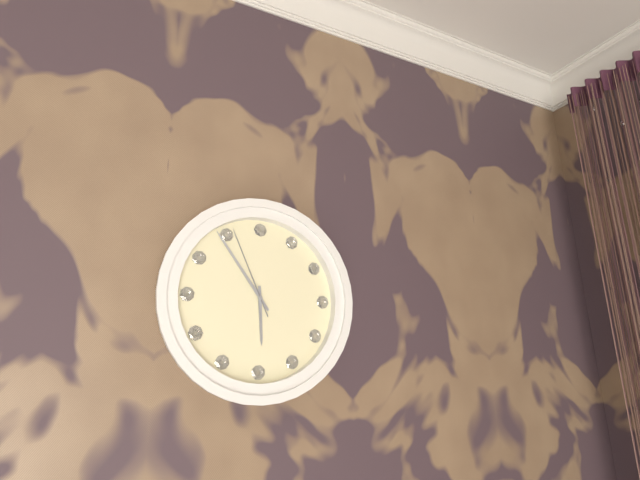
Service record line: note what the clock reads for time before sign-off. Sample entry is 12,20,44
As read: 5,54,56
